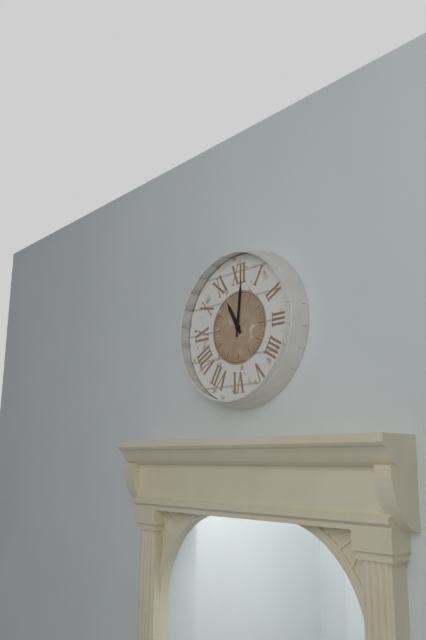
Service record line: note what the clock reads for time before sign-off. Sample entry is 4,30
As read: 11,01
